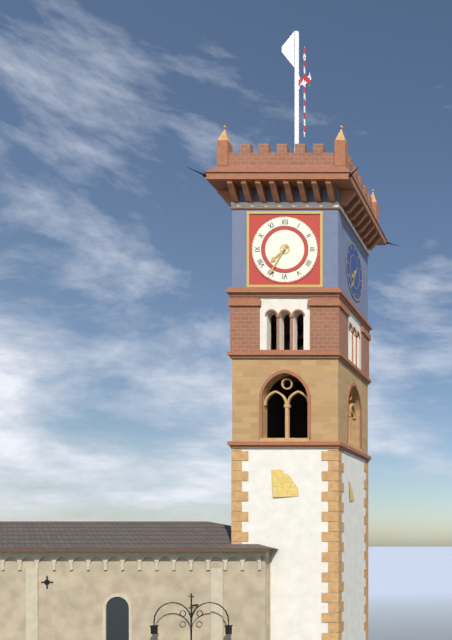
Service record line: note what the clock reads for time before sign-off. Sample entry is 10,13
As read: 7,35
